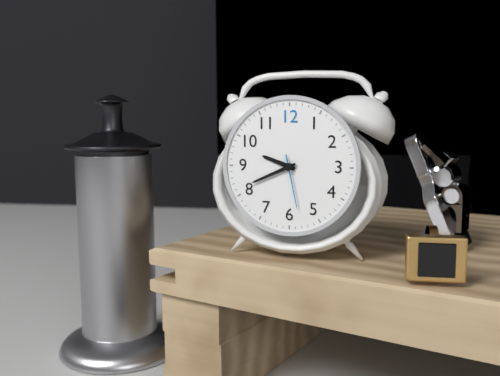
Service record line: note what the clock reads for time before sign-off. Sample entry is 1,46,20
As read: 9,41,28
